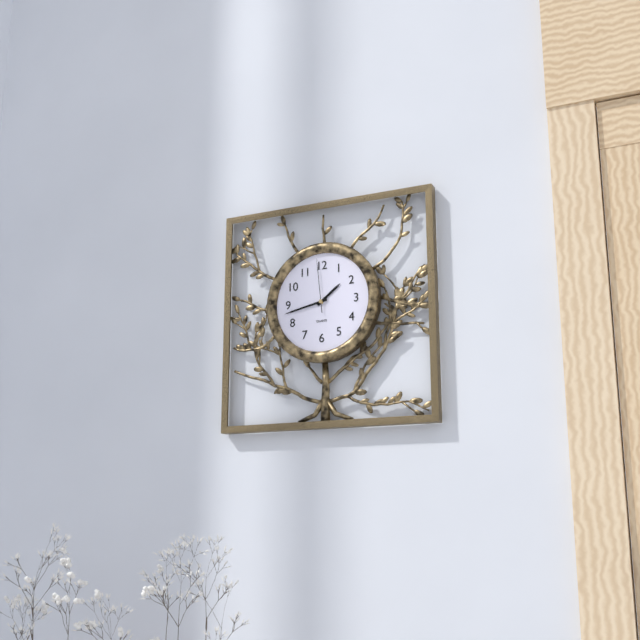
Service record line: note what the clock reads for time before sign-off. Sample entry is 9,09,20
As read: 1,43,59
